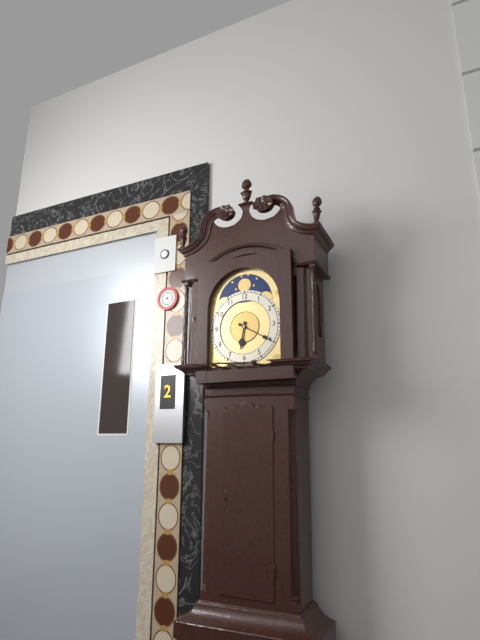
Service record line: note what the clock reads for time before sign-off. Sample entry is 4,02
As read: 6,20
